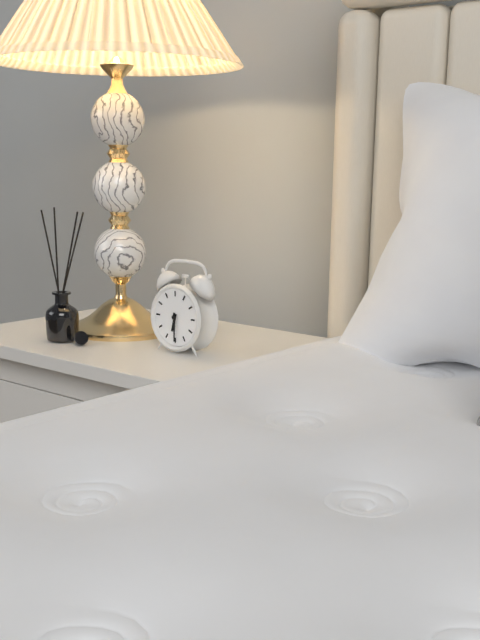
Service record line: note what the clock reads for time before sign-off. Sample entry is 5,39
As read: 6,30
